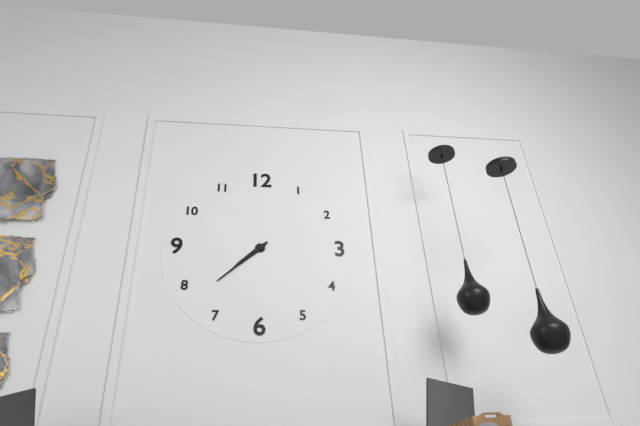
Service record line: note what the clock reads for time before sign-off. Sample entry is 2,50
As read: 7,38
